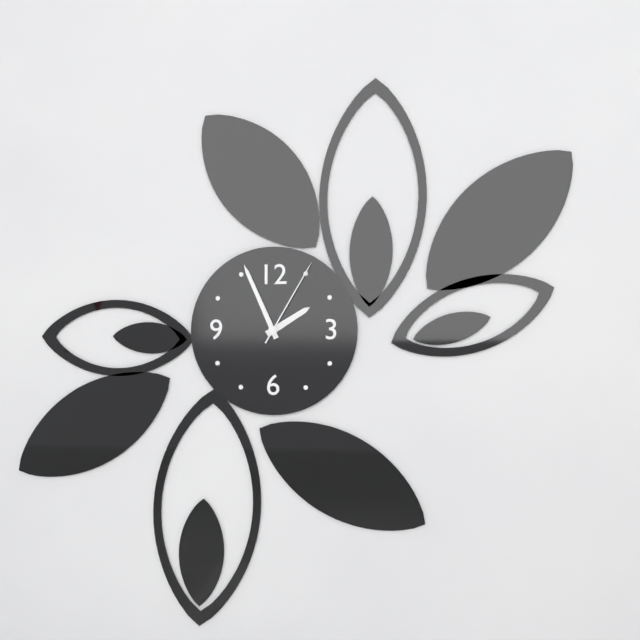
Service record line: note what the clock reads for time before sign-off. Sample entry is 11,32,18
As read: 1,56,05
